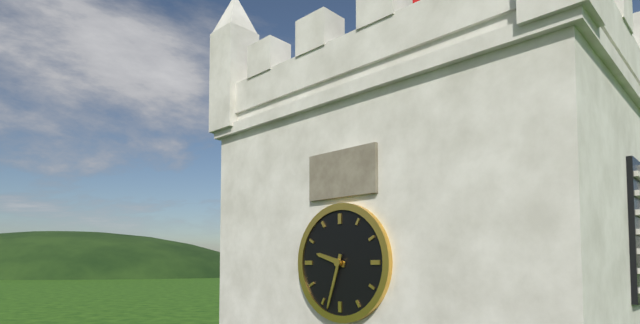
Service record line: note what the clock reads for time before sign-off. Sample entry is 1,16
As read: 9,33
